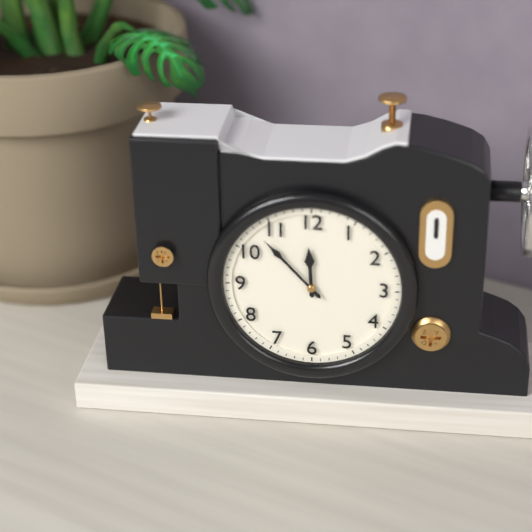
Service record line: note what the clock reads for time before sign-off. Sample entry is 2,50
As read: 11,53
